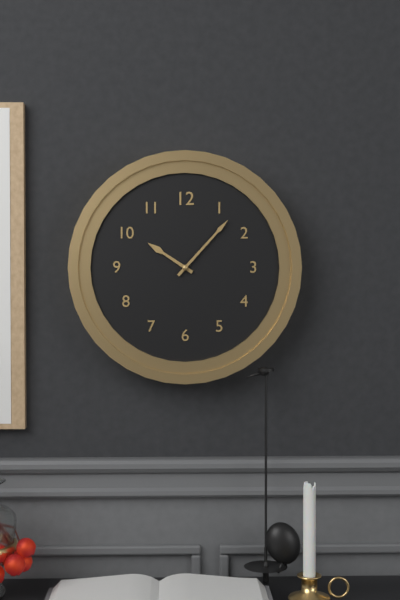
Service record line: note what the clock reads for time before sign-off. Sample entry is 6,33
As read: 10,07
